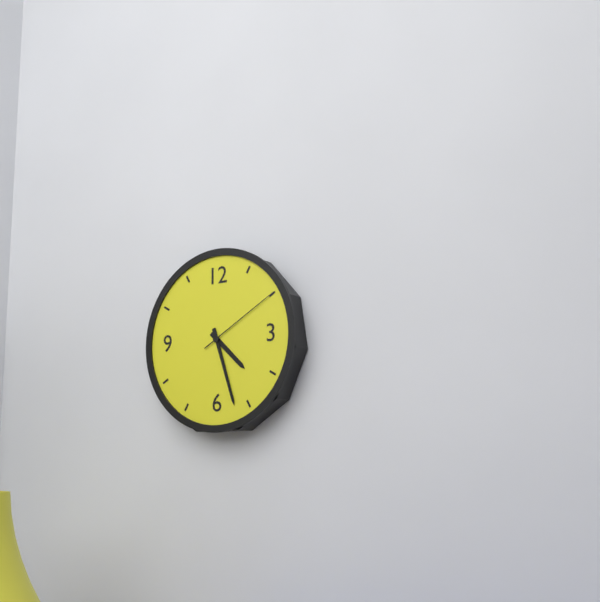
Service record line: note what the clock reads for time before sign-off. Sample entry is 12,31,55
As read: 4,27,10
